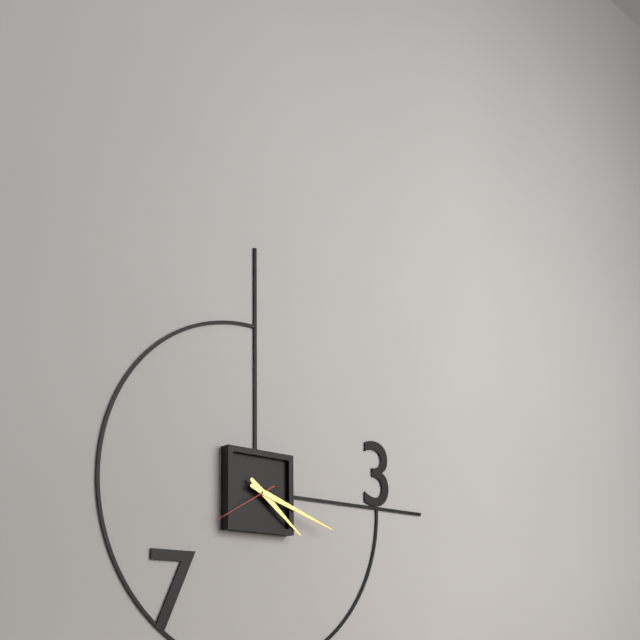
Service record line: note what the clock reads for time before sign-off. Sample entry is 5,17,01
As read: 4,18,40
